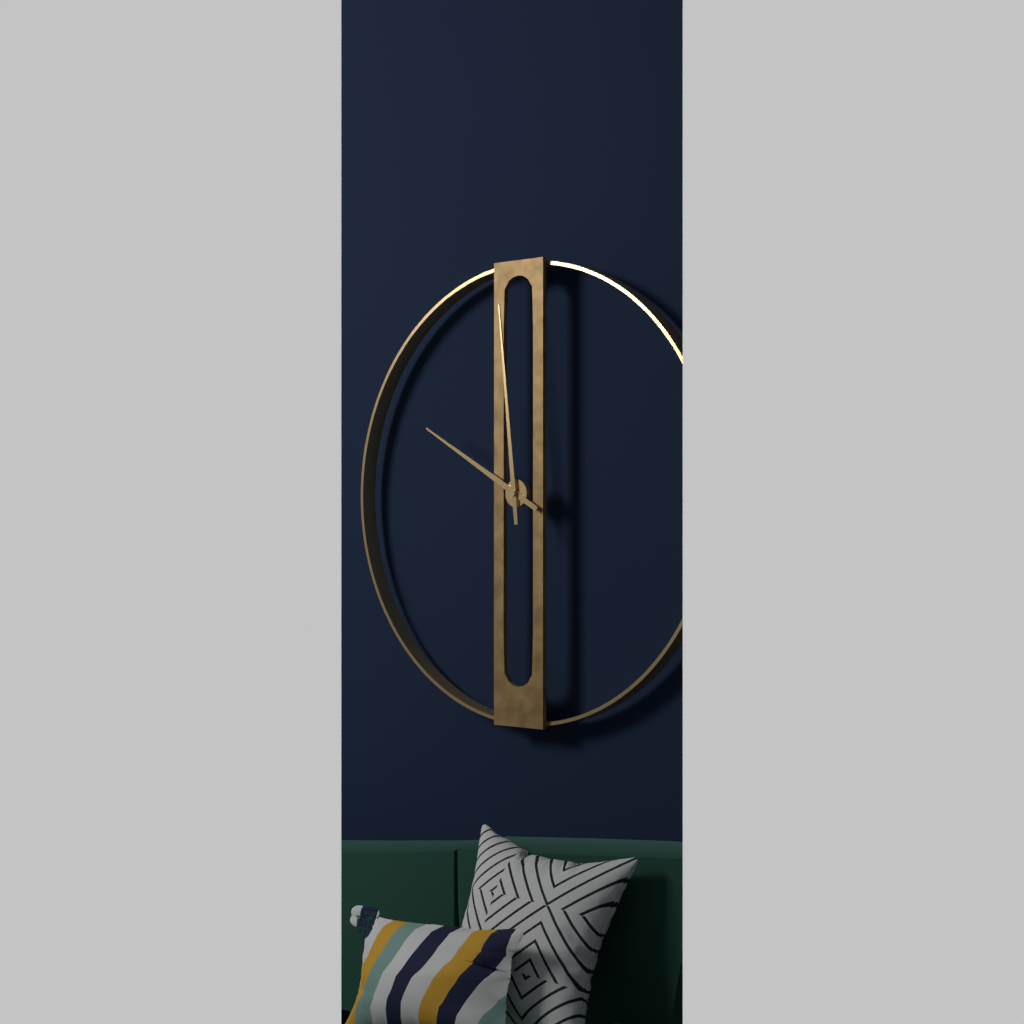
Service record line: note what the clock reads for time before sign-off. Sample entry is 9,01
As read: 9,59
